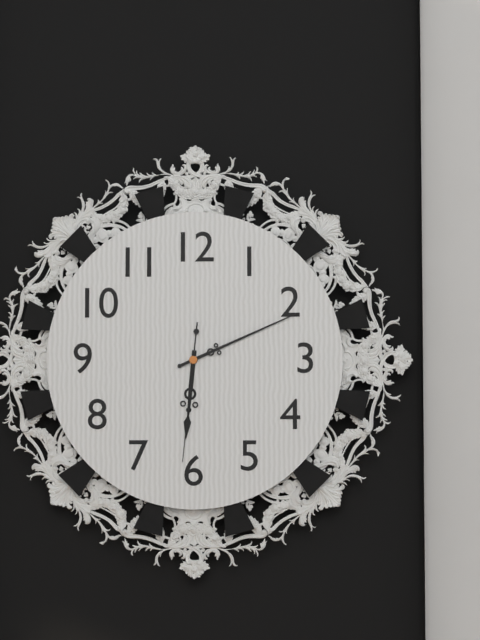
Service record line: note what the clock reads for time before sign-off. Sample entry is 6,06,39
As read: 6,11,31
